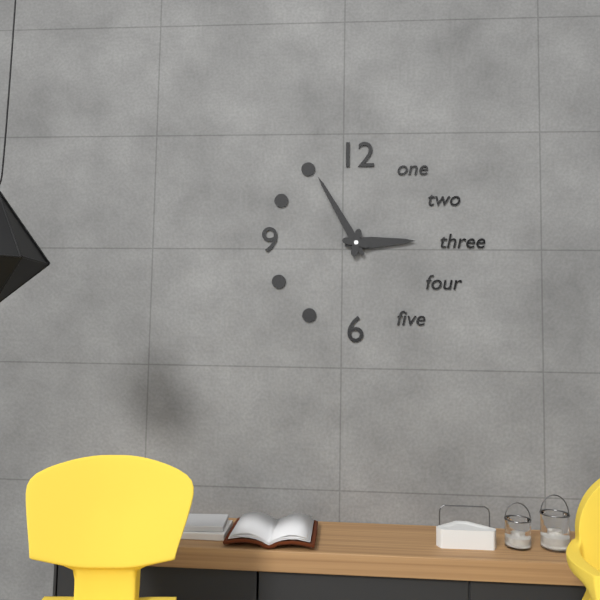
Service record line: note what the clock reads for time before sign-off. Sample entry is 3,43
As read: 2,55
